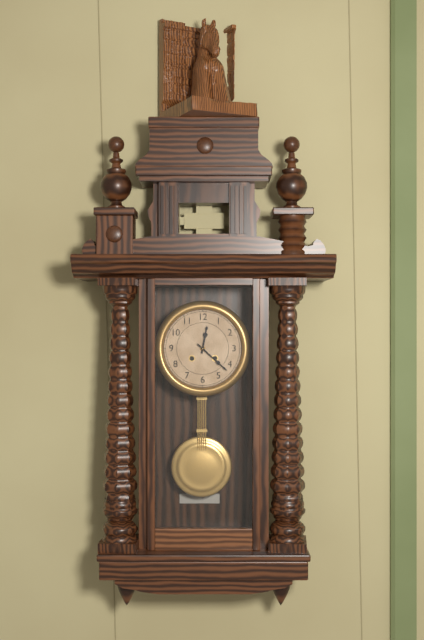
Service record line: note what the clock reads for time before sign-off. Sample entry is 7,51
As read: 12,22
